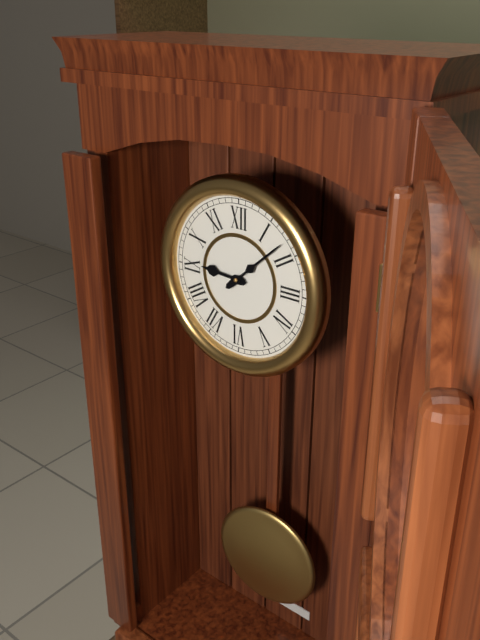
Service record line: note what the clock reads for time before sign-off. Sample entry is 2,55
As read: 9,08
